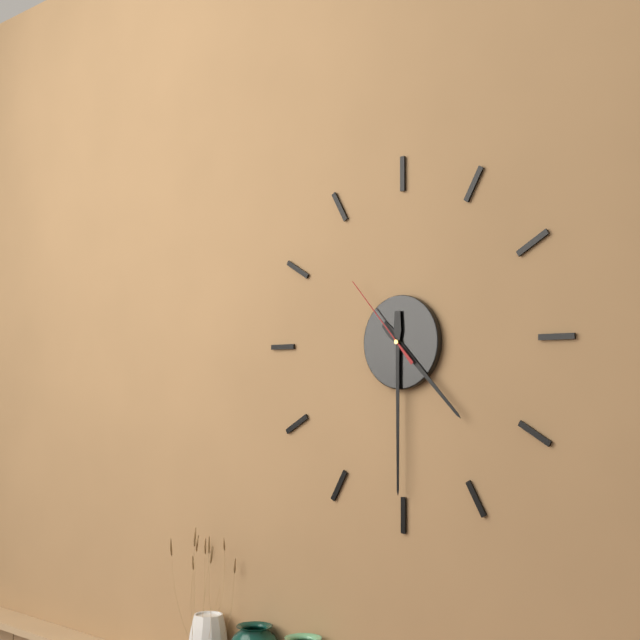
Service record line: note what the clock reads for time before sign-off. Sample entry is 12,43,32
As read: 4,30,53
